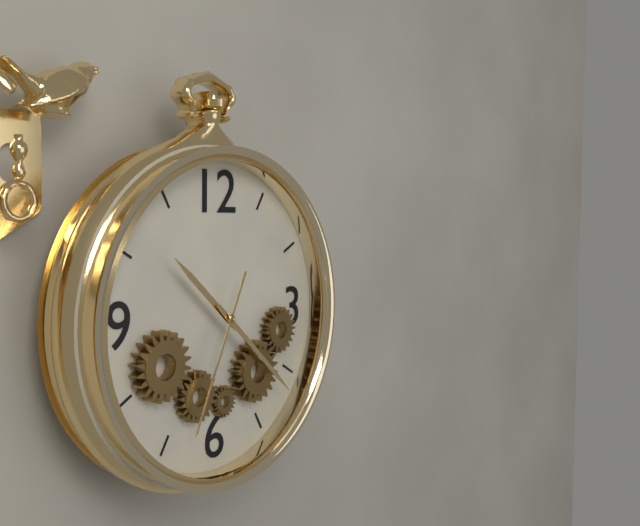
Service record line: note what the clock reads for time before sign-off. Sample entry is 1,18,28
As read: 10,22,34
